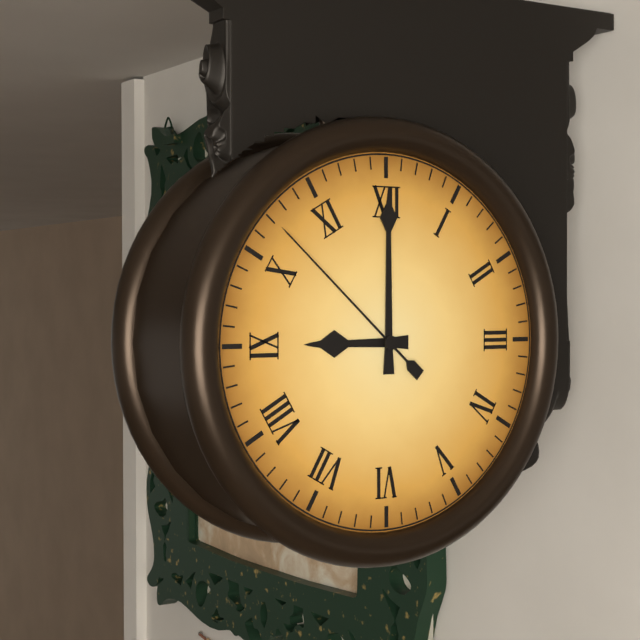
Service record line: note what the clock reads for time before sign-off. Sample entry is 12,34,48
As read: 9,00,52
